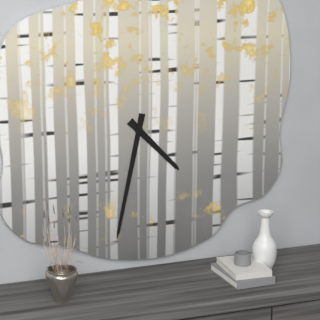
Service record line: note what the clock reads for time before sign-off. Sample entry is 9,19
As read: 4,32
